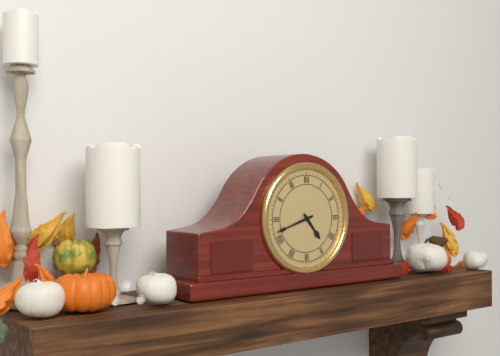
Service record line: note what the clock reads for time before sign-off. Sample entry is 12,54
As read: 4,42
